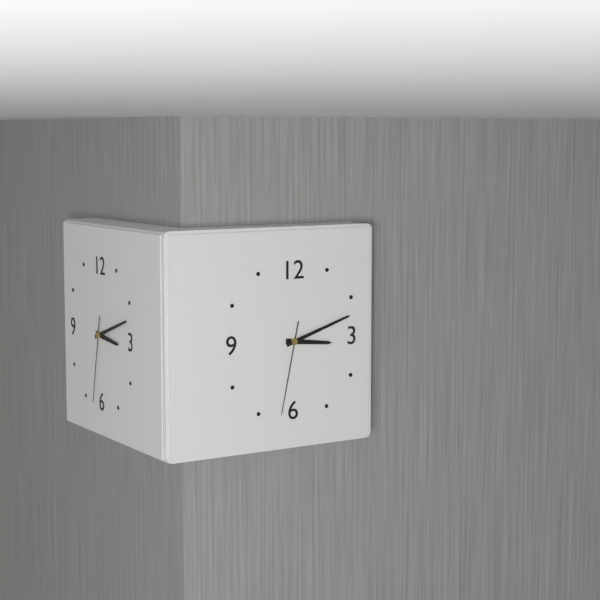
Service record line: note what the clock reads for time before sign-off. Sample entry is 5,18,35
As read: 3,12,32
